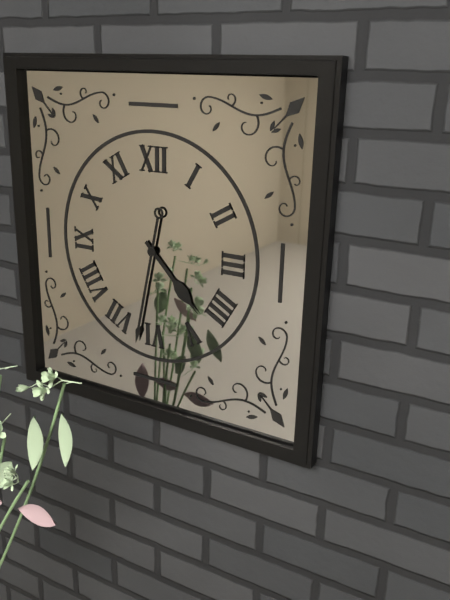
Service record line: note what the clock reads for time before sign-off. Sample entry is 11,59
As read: 4,32
